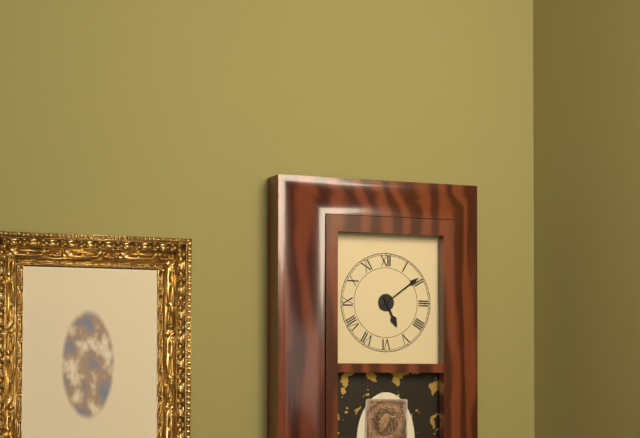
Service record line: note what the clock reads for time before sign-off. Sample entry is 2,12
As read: 5,09
